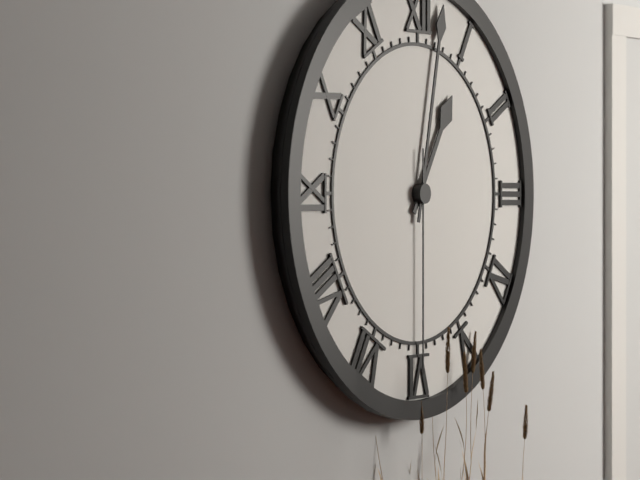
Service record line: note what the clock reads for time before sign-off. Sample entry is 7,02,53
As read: 1,02,30
